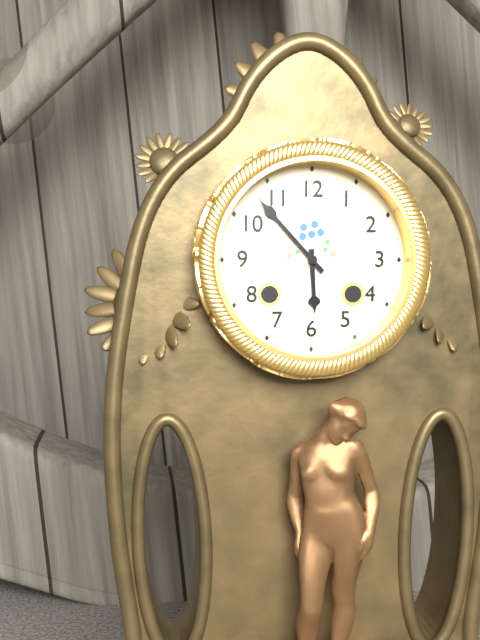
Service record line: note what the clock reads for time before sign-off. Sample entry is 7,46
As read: 5,53
